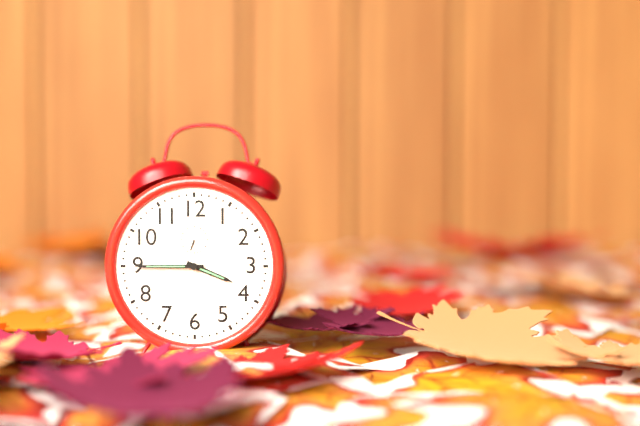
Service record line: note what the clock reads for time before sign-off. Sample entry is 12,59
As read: 3,45
